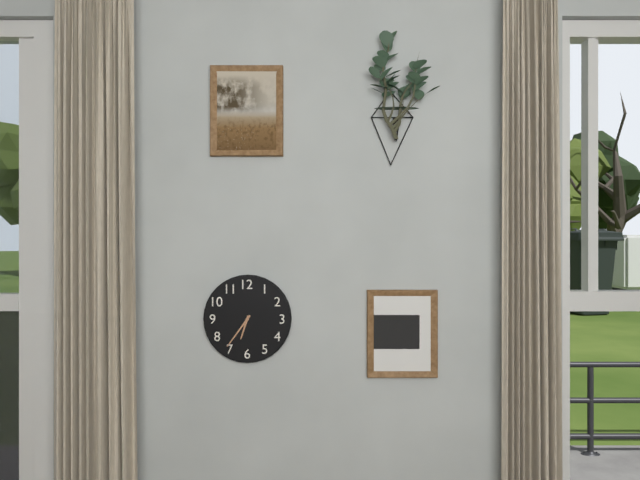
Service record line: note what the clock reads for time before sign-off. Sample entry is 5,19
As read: 6,36
